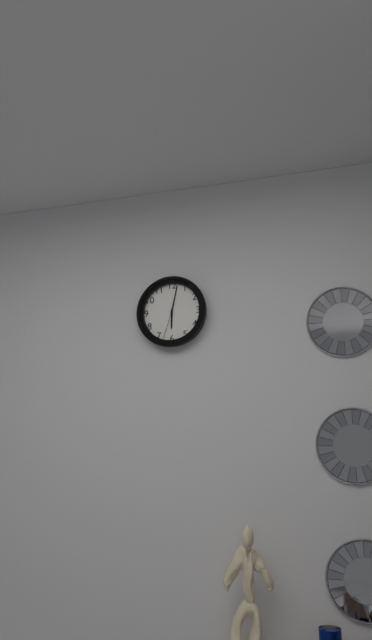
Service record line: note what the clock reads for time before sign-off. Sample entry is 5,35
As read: 6,02
